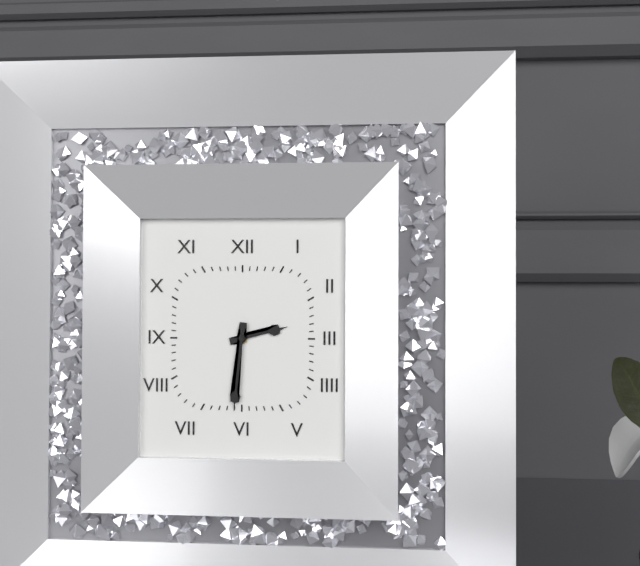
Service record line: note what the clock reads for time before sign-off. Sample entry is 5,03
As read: 2,31
